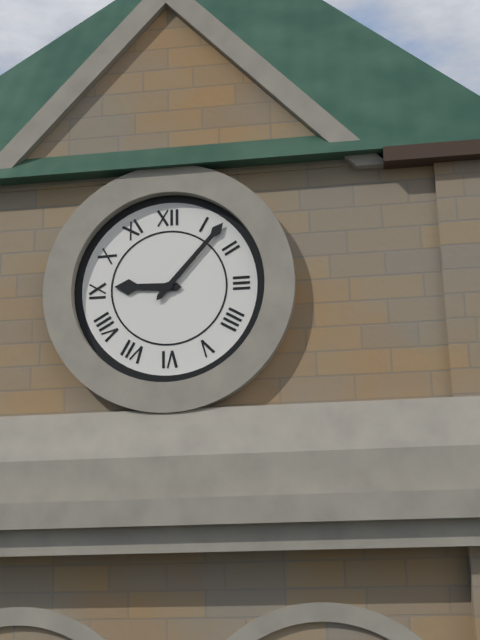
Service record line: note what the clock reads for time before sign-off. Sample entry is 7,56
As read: 9,07
